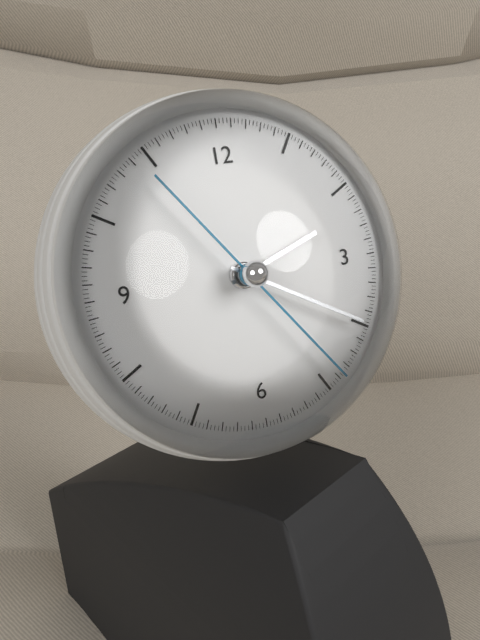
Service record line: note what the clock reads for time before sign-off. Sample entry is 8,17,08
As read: 2,20,24
